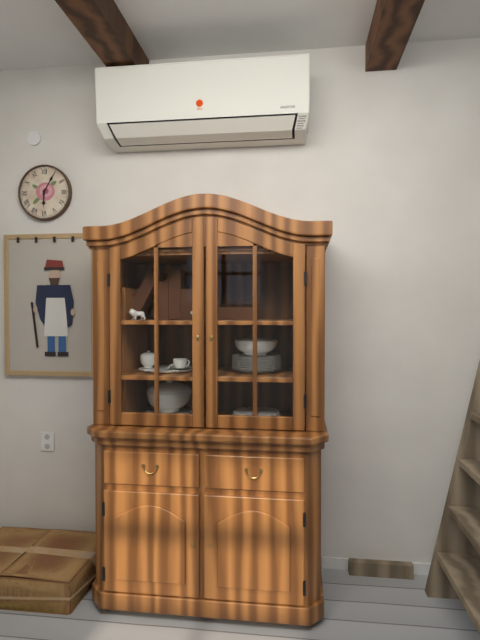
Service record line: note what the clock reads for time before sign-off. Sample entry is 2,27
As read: 6,05
